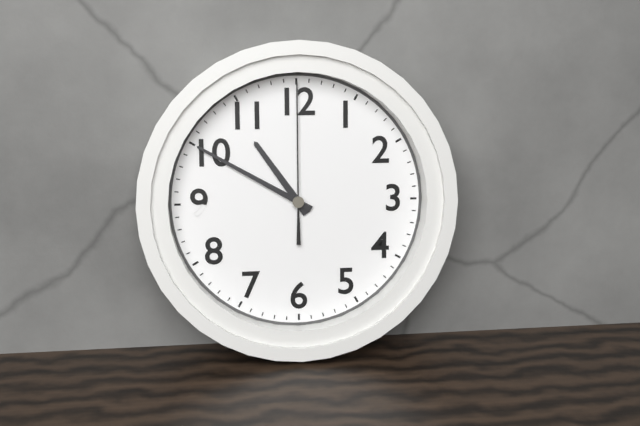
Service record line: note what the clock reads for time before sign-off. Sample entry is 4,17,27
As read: 10,50,00
